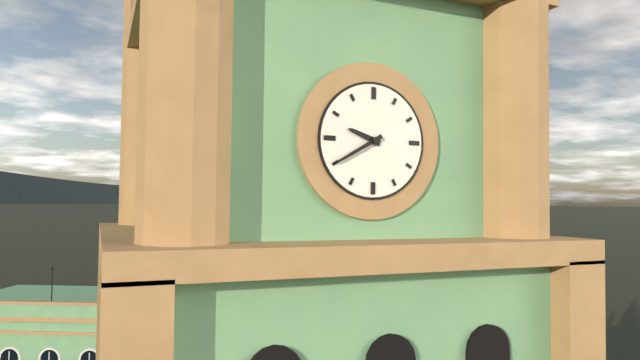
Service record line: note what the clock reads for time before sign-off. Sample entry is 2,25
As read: 9,40
